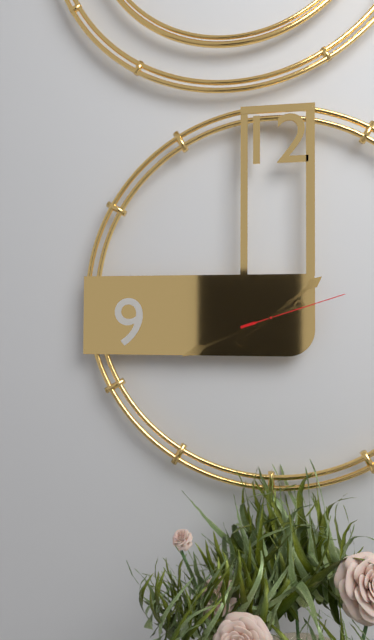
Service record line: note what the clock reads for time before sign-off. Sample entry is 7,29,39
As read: 1,41,12
